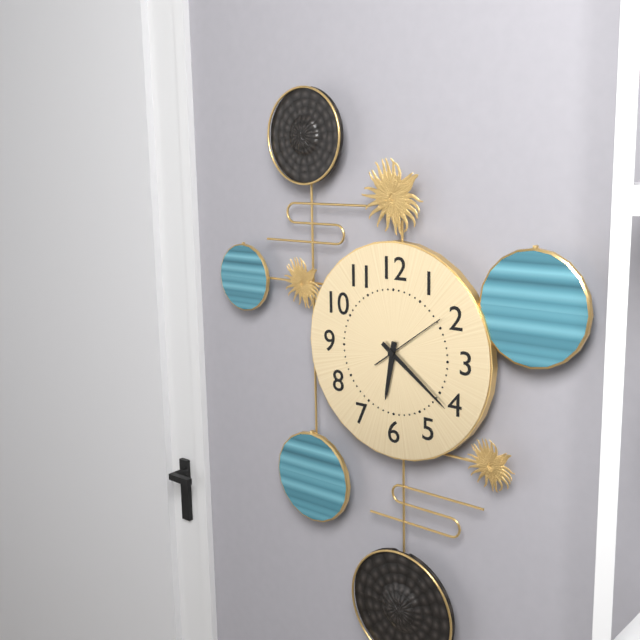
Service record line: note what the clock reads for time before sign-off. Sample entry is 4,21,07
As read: 6,21,09
